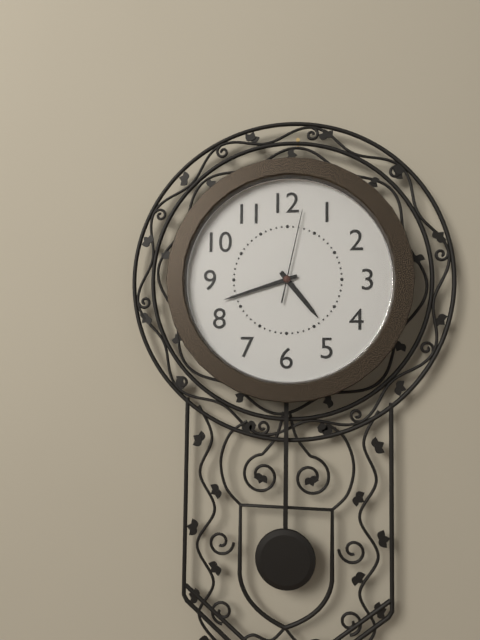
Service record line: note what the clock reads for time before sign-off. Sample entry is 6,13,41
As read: 4,42,02
